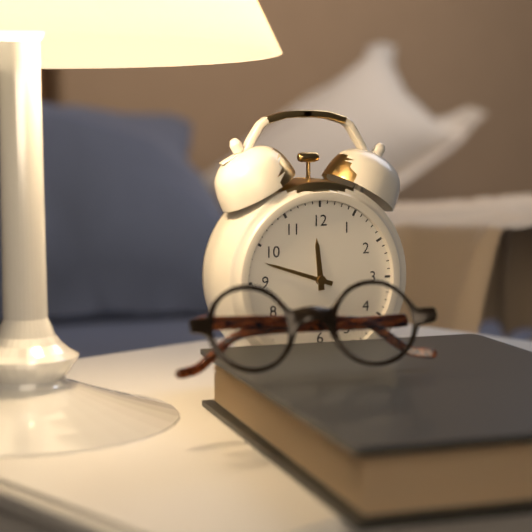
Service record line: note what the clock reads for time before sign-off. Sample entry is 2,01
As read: 11,48
